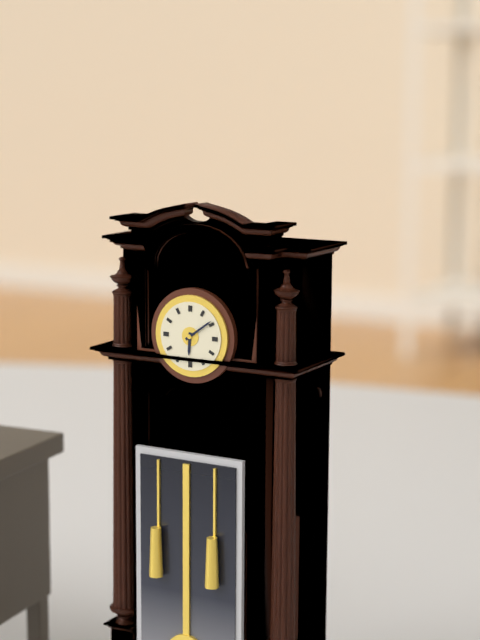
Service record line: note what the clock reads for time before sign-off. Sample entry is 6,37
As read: 6,09
